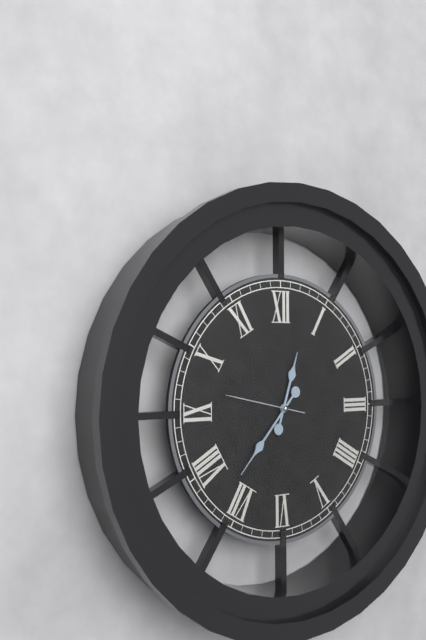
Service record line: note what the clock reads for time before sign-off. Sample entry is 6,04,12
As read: 12,37,47
